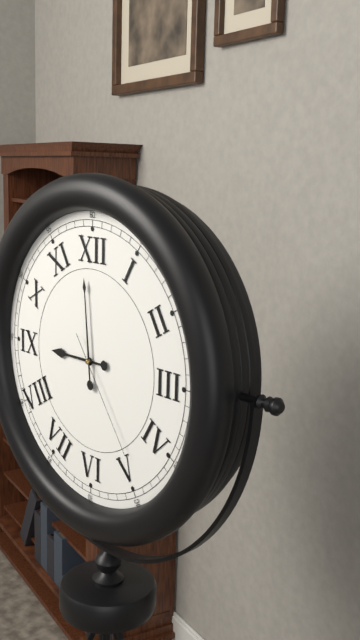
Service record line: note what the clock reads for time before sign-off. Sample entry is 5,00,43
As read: 8,59,24
